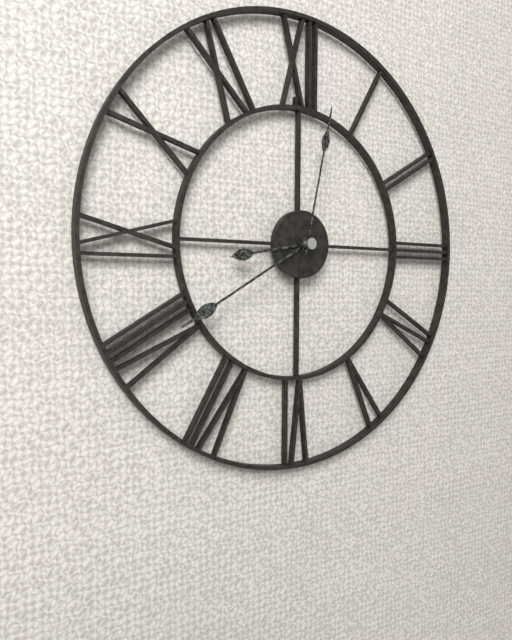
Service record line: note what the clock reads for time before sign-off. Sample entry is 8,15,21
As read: 8,40,02
